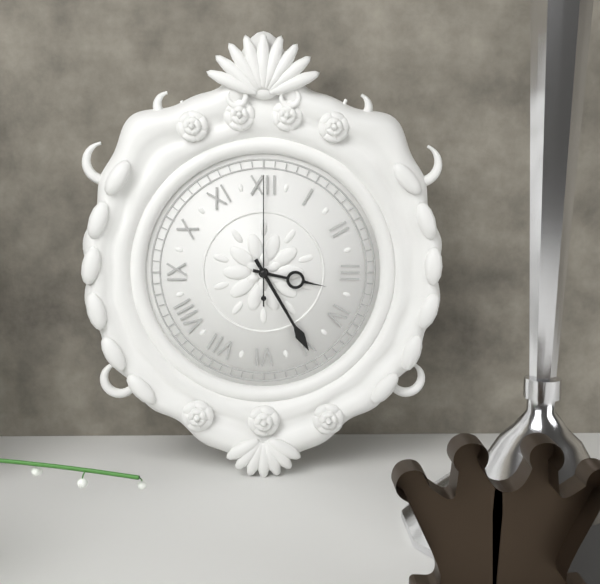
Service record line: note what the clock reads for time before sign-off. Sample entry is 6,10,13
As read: 3,25,00
